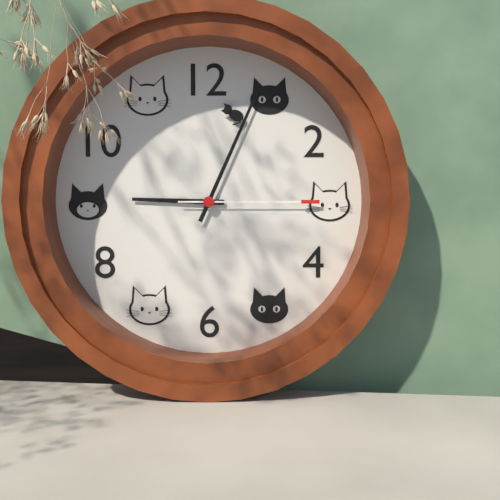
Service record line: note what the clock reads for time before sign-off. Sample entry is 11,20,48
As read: 9,04,15
